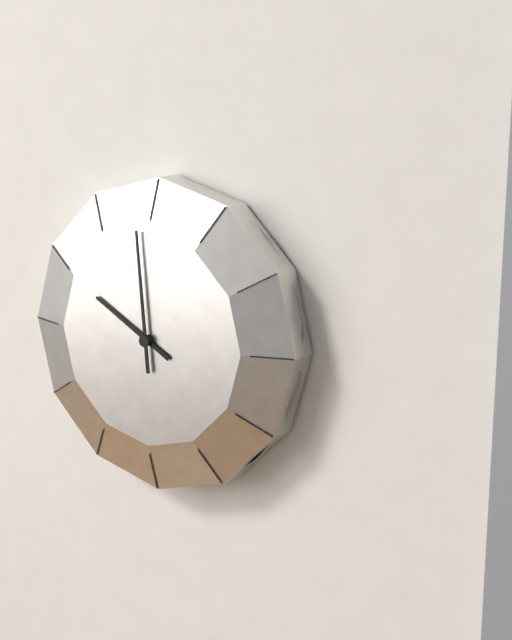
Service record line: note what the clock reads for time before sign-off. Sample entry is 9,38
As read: 9,59
